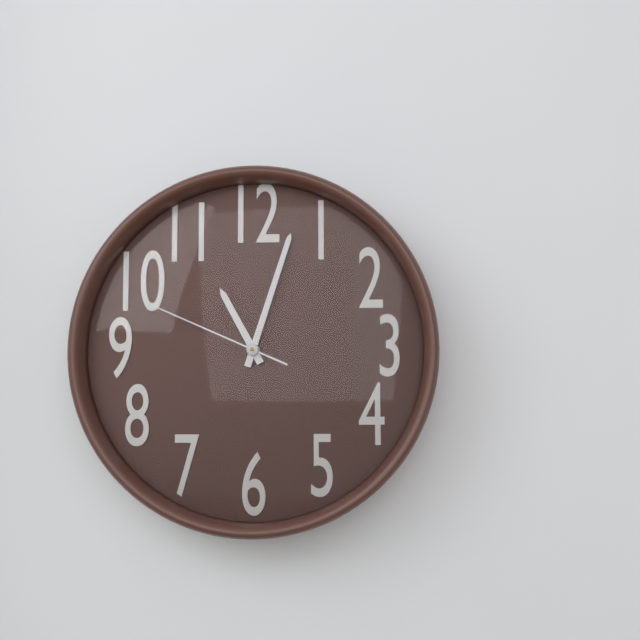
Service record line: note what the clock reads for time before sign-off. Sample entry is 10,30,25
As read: 11,03,49
